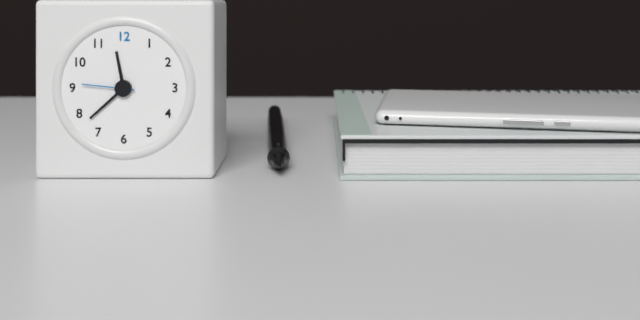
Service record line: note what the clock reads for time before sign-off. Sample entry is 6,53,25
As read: 11,38,46
